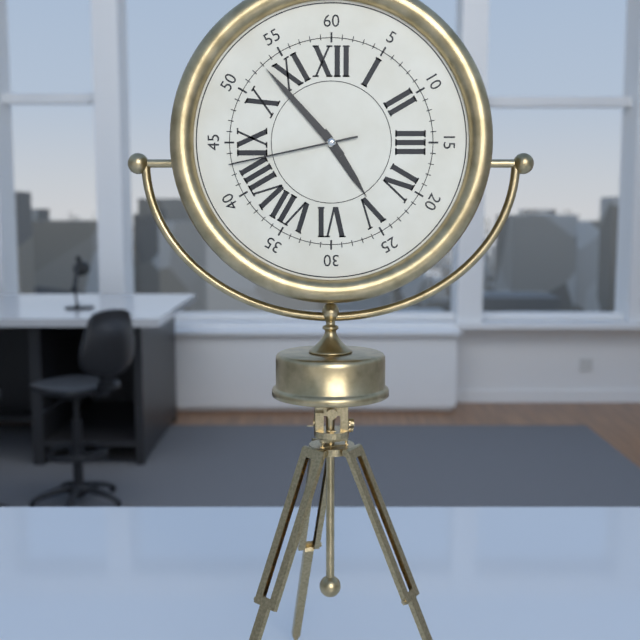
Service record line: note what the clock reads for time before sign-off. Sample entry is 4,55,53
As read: 4,53,43
